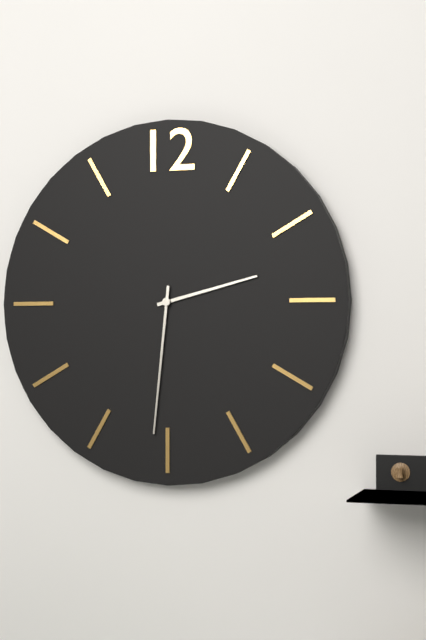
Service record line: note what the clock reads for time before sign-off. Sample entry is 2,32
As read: 2,31
